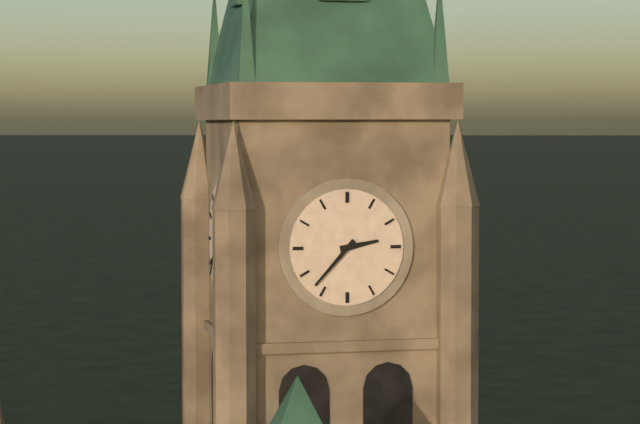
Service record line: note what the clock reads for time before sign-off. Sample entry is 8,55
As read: 2,37
